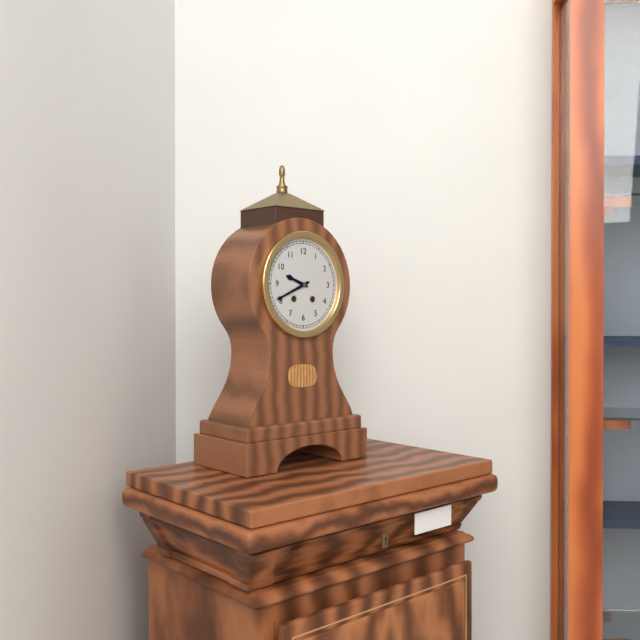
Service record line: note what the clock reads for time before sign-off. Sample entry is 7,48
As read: 9,41
